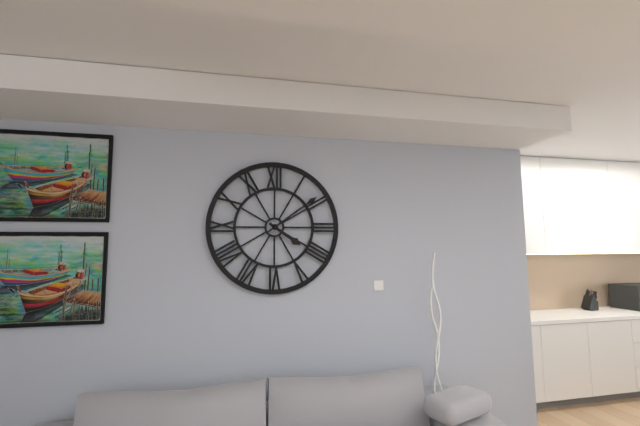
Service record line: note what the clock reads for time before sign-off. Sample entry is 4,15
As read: 4,09
